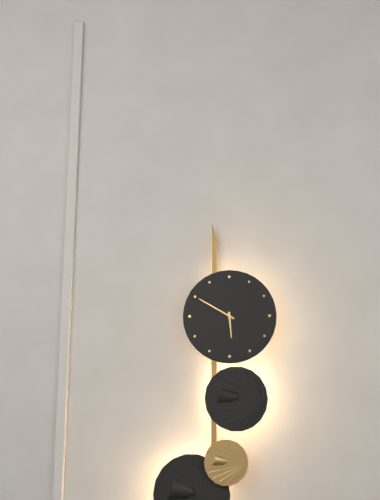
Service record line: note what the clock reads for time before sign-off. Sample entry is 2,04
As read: 5,50
